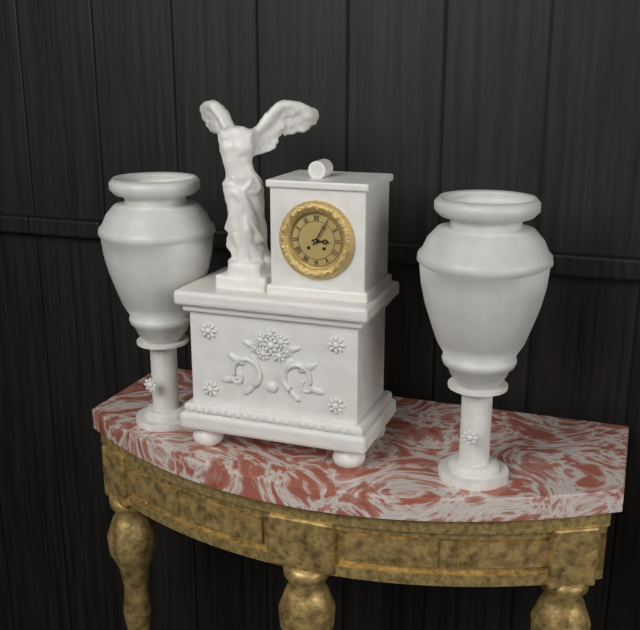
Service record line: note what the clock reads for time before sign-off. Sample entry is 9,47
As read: 3,05
